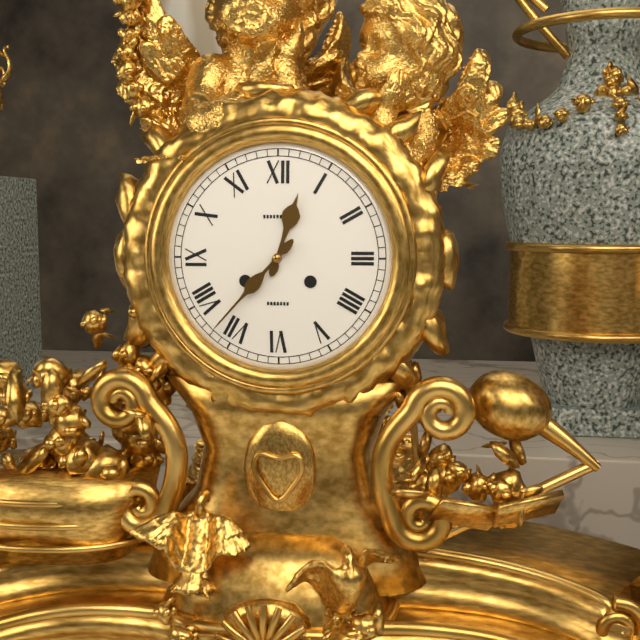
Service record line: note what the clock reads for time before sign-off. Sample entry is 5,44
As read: 12,37
